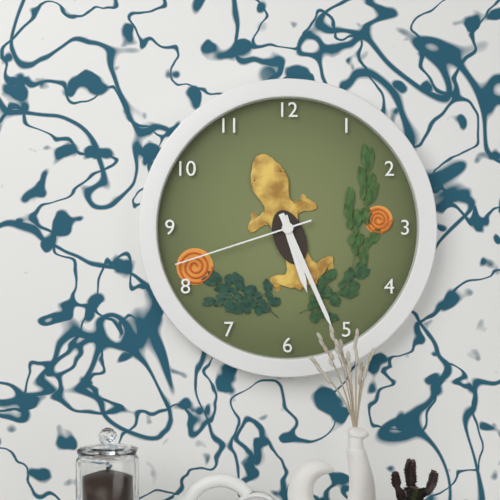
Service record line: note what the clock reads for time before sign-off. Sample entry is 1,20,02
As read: 5,26,42
